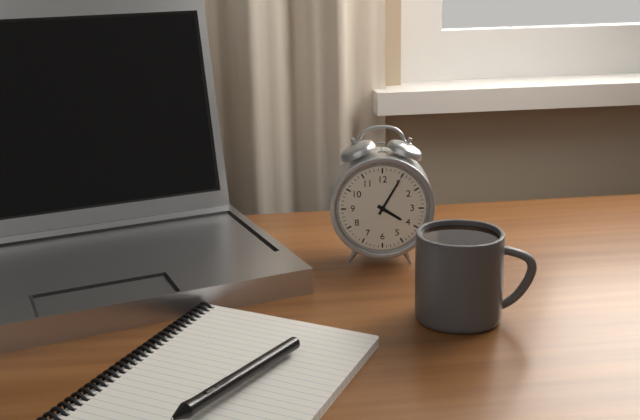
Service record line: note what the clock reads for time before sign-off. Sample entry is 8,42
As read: 4,05
